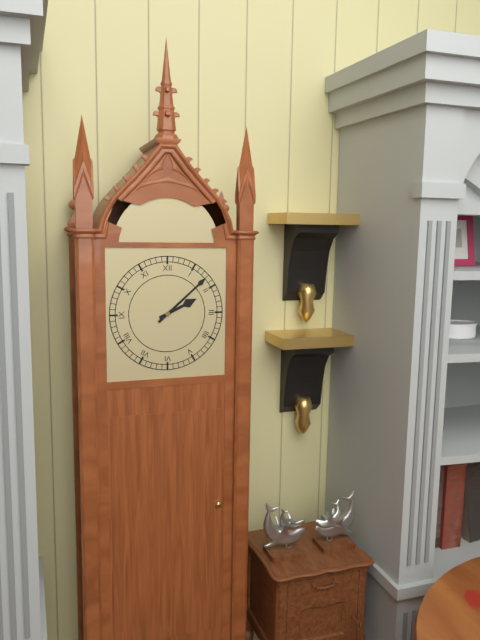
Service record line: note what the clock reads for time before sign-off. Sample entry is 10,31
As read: 2,08
